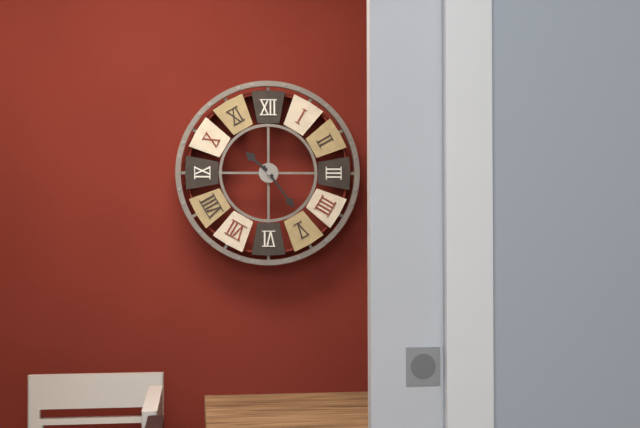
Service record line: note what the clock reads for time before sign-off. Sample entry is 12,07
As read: 10,24
